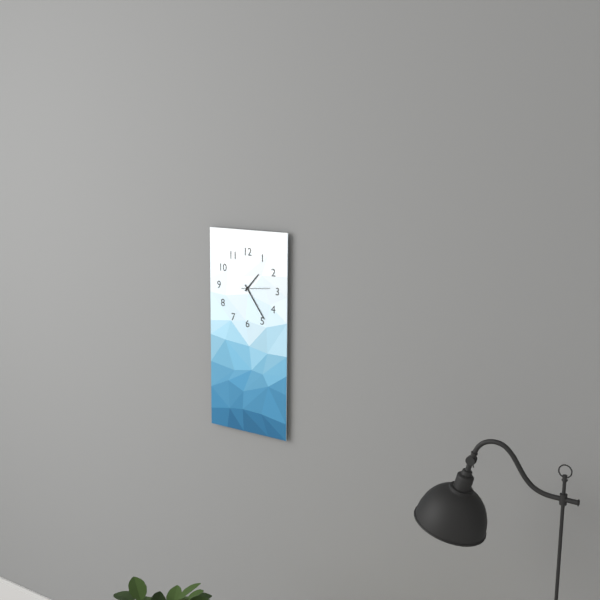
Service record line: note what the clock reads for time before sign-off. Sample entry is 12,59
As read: 1,24
